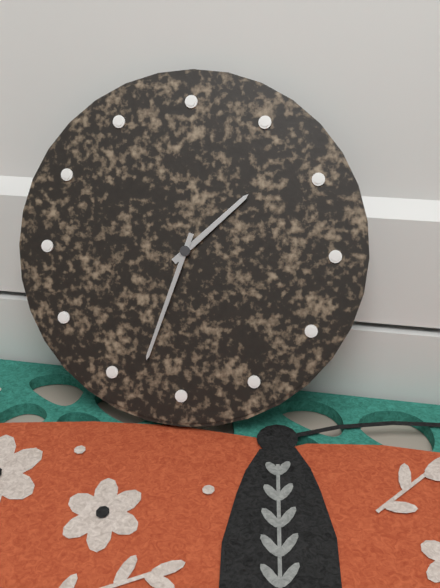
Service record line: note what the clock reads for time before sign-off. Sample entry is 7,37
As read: 1,33
